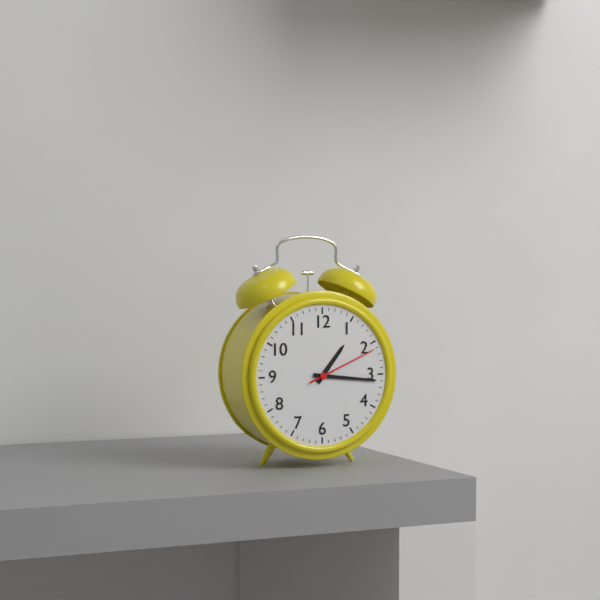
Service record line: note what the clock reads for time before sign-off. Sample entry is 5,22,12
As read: 1,16,11
